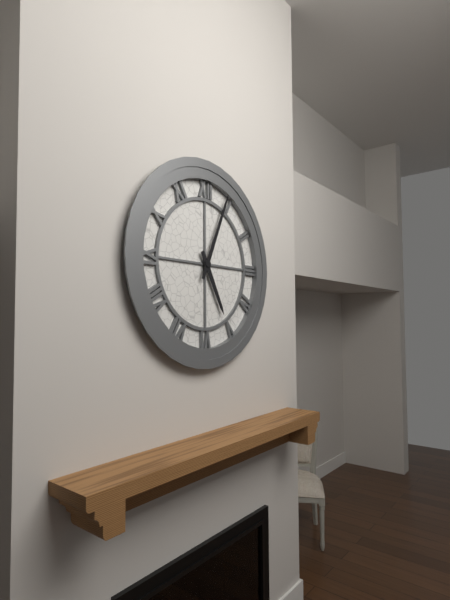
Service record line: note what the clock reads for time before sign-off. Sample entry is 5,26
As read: 5,04
